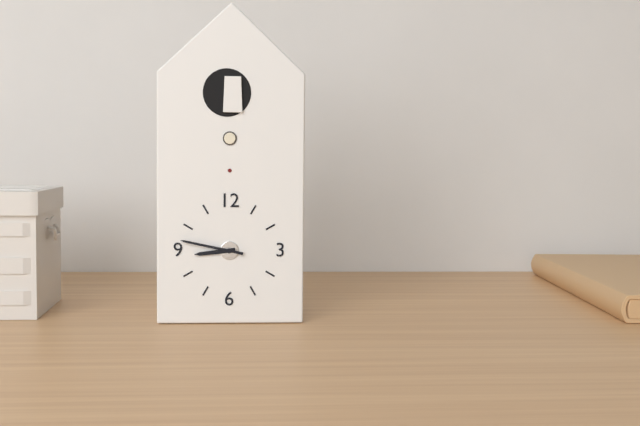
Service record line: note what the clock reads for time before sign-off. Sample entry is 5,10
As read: 8,47
